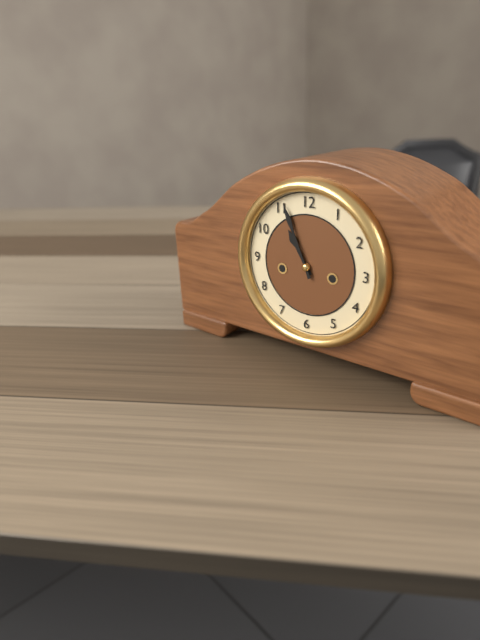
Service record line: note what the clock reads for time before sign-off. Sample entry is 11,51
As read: 10,56
